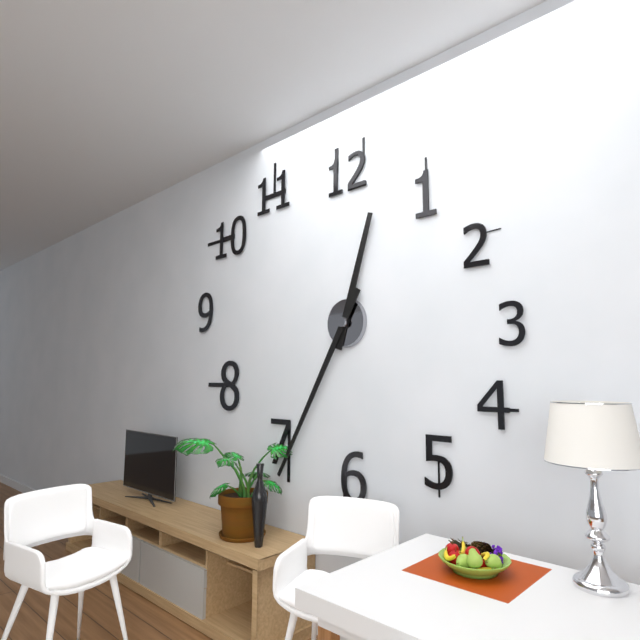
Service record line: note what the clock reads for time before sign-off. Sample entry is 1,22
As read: 12,35
